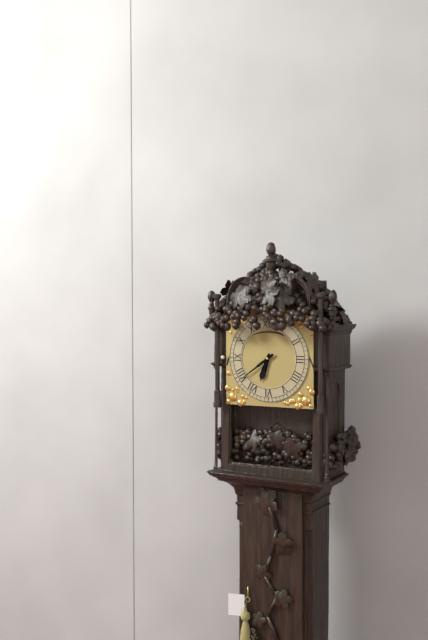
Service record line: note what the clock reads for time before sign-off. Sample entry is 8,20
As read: 6,39
